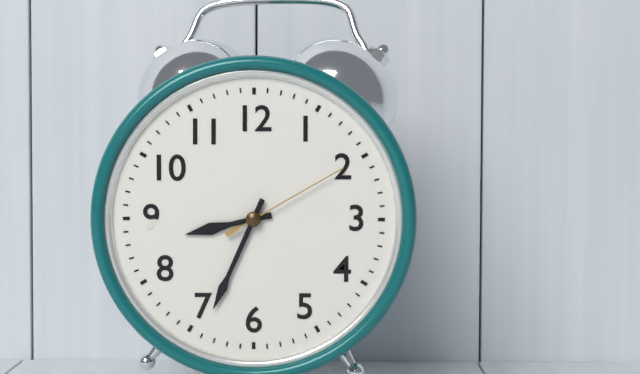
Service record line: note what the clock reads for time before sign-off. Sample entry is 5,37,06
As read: 8,34,10
